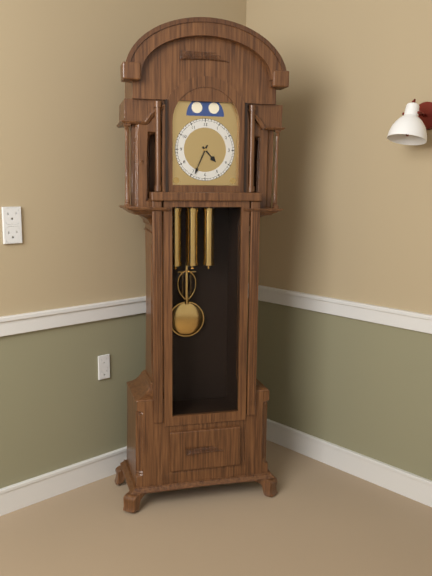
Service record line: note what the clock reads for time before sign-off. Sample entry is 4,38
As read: 4,34
